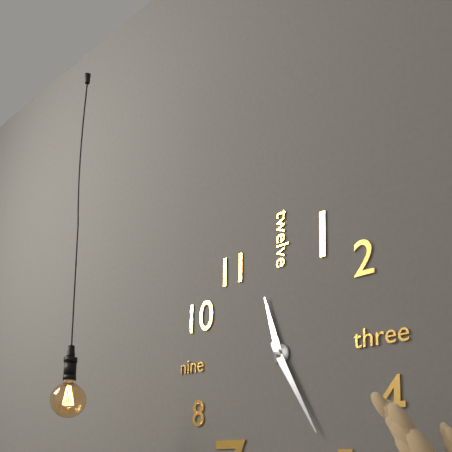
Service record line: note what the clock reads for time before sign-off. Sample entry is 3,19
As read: 11,25
